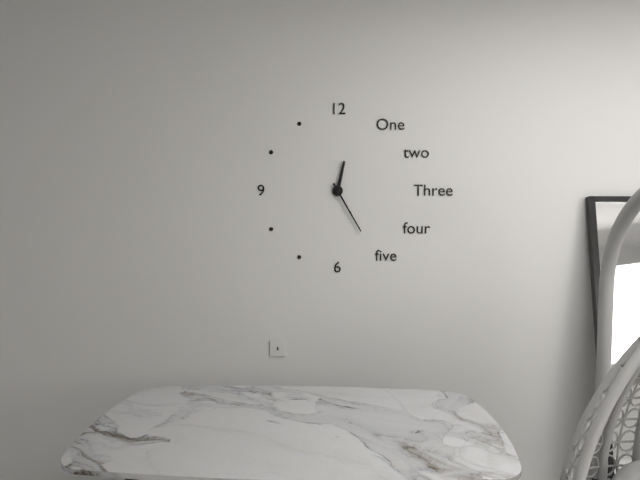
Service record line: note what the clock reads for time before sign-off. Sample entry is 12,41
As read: 12,25
